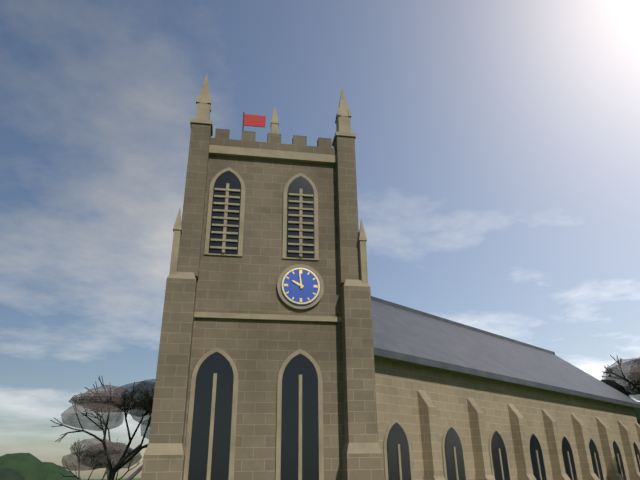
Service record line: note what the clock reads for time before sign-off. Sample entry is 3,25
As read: 9,59
